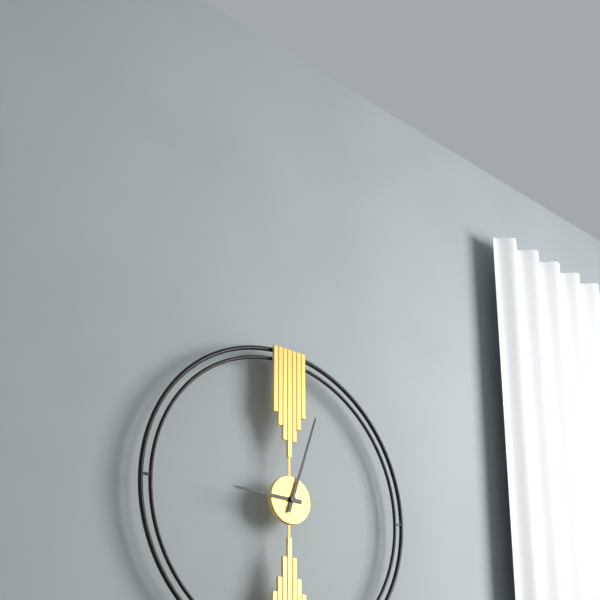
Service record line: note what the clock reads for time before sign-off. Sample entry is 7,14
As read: 9,03
